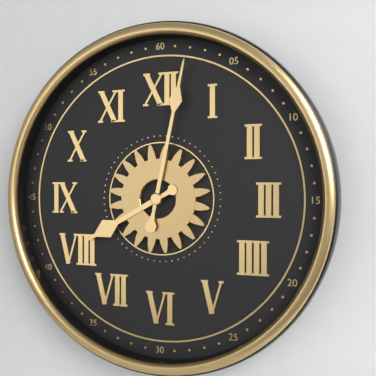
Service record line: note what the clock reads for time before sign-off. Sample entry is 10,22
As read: 8,02
